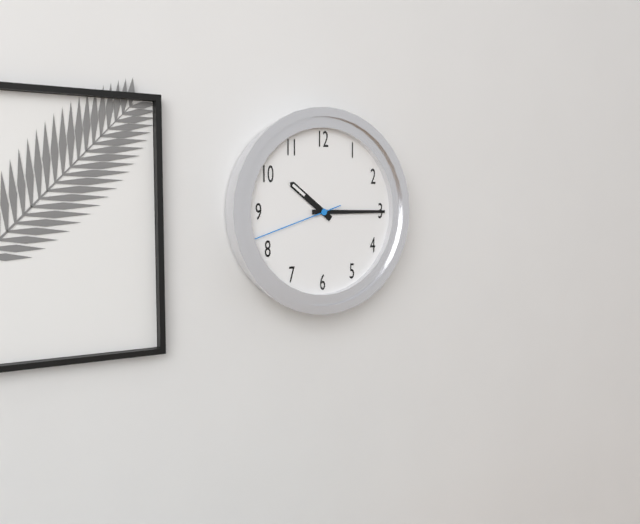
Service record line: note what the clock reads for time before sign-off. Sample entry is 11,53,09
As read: 10,15,42
